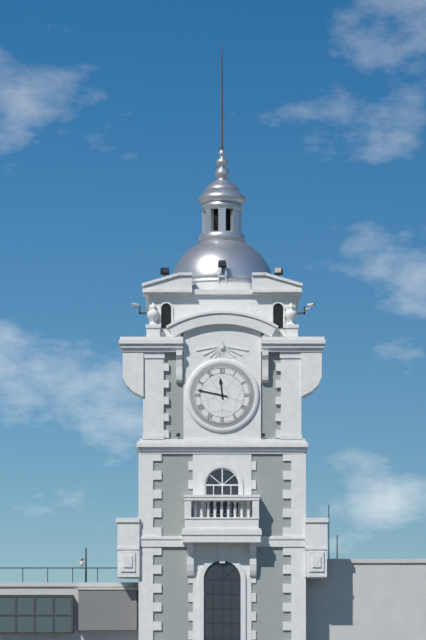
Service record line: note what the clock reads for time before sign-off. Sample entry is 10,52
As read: 11,47
